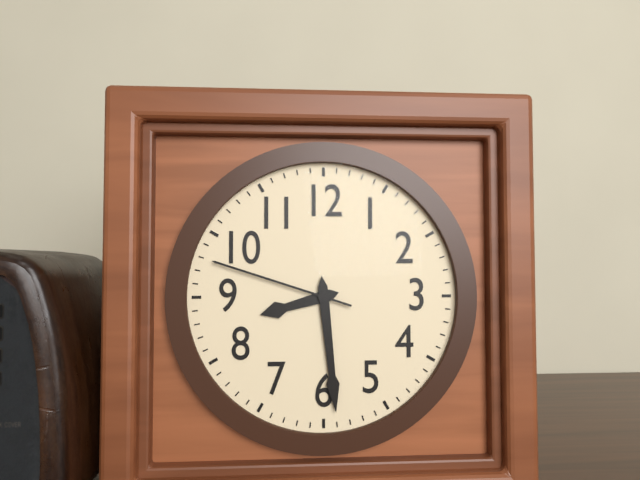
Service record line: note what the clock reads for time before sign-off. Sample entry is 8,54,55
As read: 8,29,48
